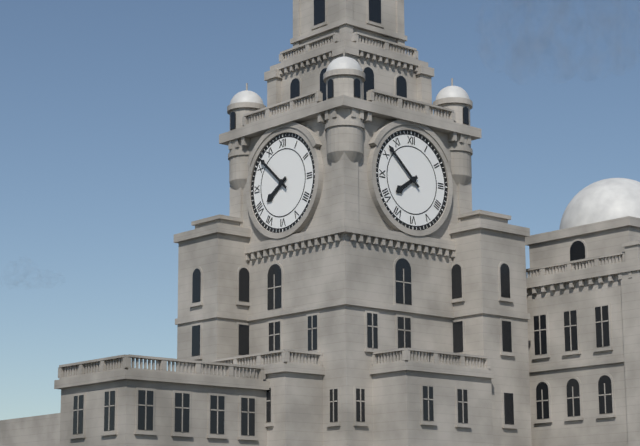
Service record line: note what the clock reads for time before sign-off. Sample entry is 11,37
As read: 7,52
